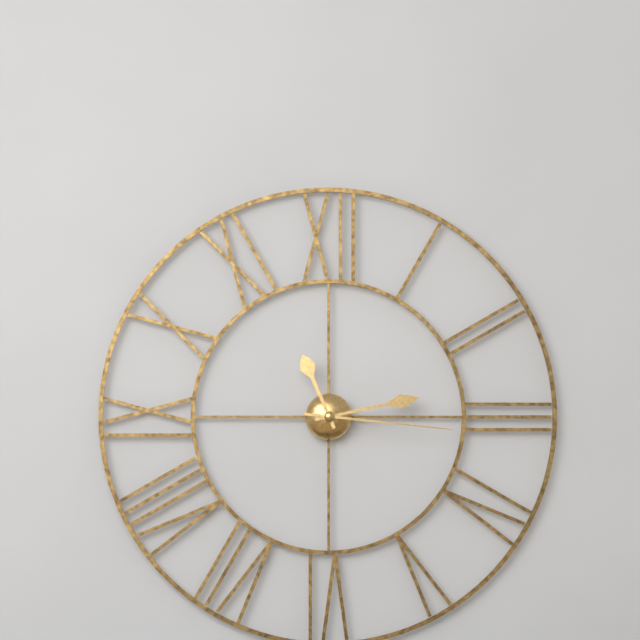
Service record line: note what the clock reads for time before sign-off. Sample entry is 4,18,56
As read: 11,13,16
